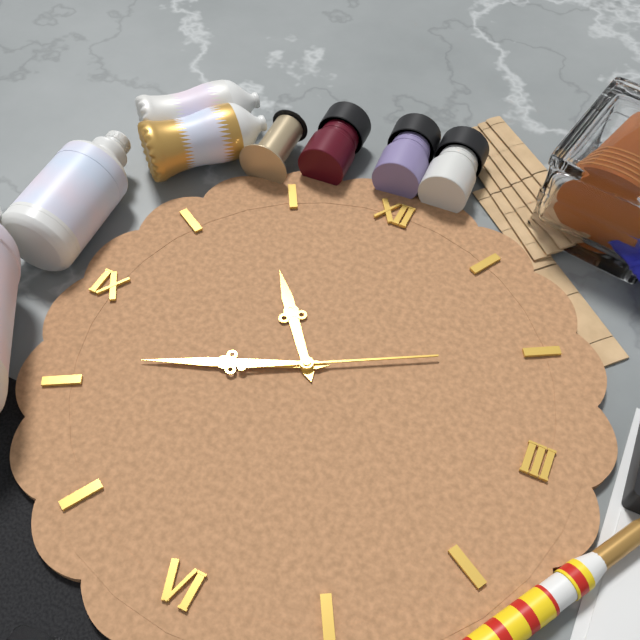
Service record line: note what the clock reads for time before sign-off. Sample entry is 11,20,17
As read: 10,41,10
